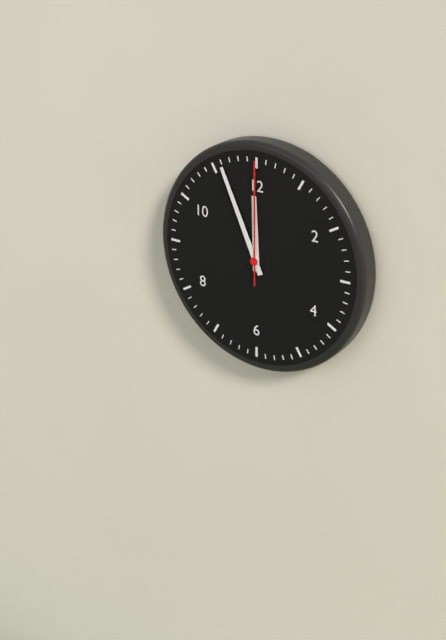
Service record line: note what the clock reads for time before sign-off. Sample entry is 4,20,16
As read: 11,56,00
